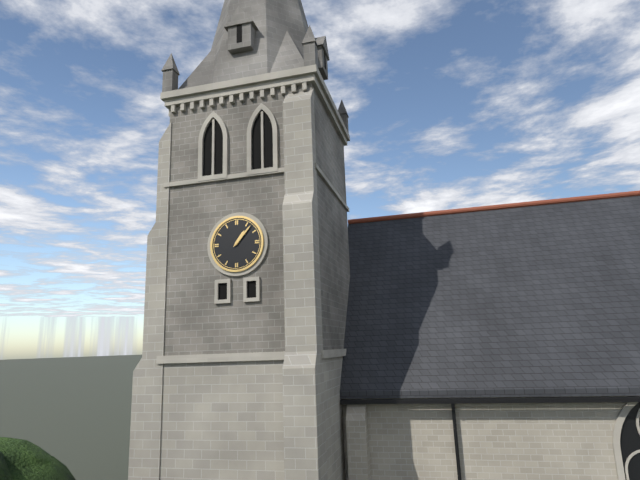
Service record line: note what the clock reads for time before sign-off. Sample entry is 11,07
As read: 1,07
